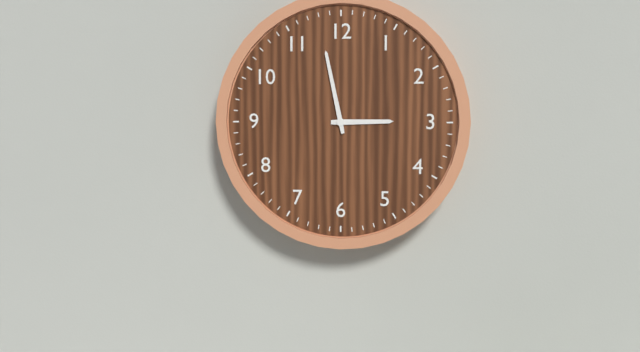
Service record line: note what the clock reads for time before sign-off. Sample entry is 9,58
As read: 2,58
